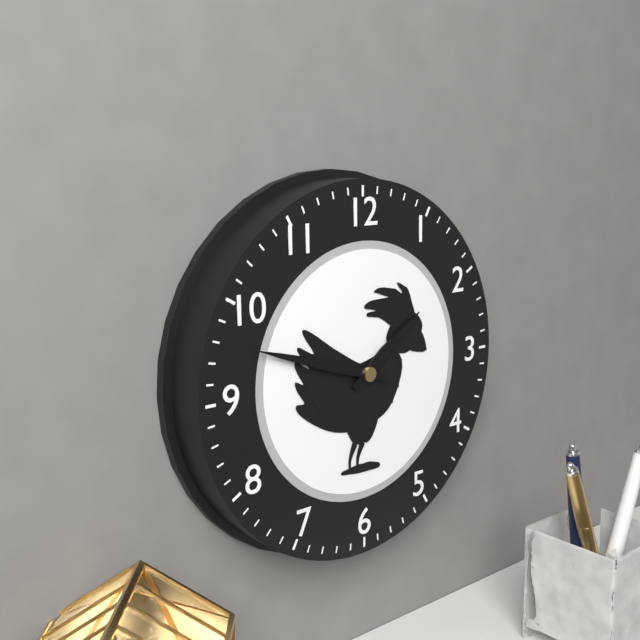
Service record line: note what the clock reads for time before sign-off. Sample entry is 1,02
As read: 1,48
